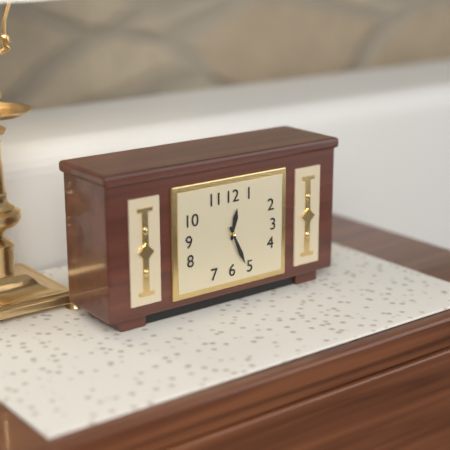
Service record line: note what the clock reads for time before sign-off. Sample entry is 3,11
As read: 12,26
